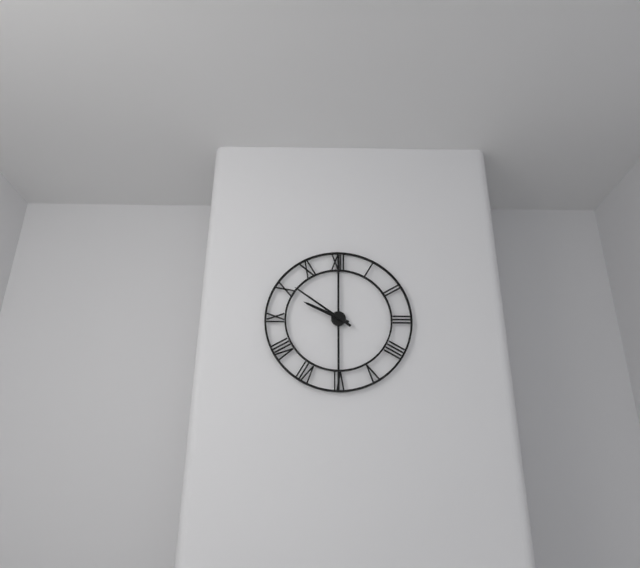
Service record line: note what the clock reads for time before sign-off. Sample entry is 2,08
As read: 9,51
